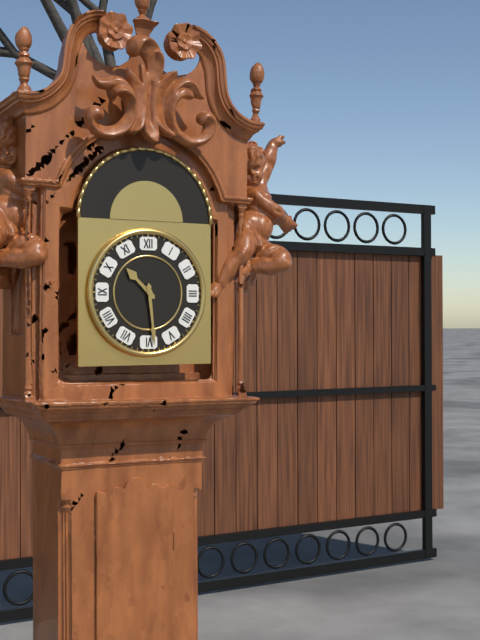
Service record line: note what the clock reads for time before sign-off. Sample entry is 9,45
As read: 10,29
